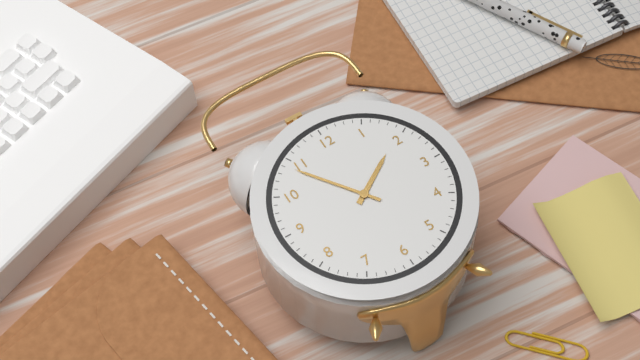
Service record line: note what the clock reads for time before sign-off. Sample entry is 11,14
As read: 1,54
